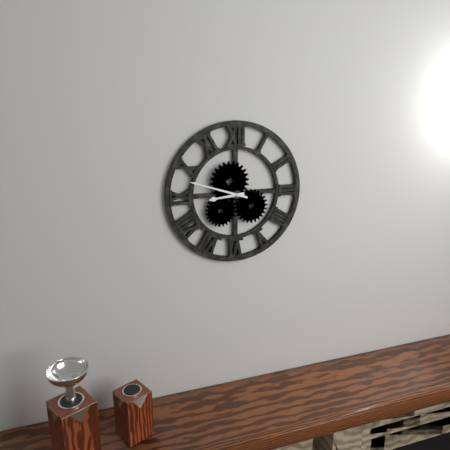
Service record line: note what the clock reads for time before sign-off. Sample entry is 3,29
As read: 8,48
